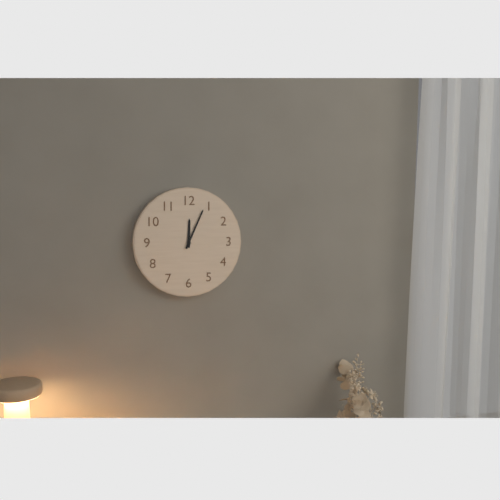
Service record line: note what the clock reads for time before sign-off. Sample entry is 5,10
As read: 12,04
